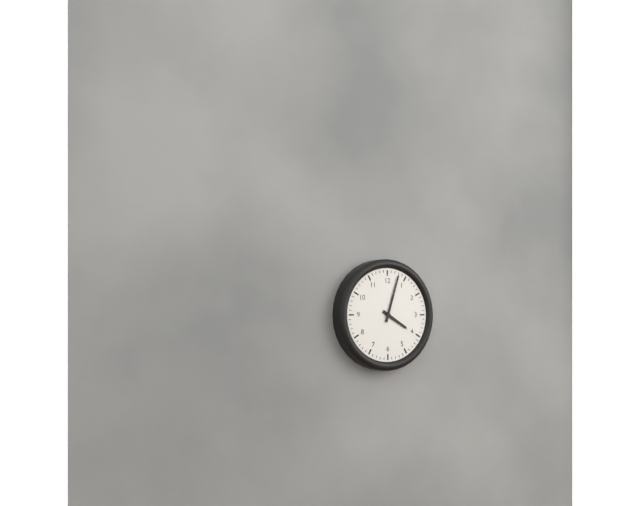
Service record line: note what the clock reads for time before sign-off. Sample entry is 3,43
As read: 4,03
